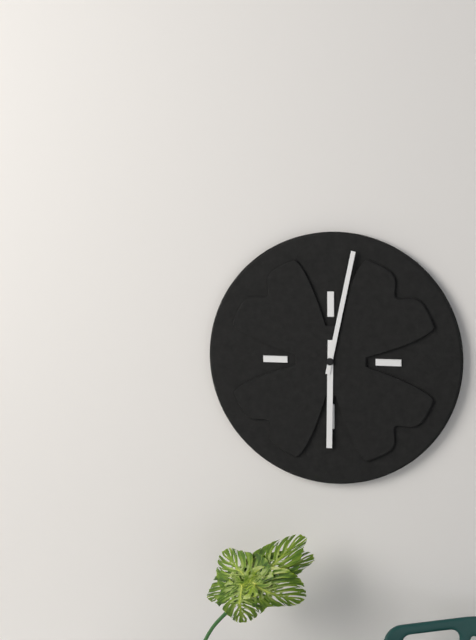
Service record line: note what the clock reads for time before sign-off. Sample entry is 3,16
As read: 6,02
